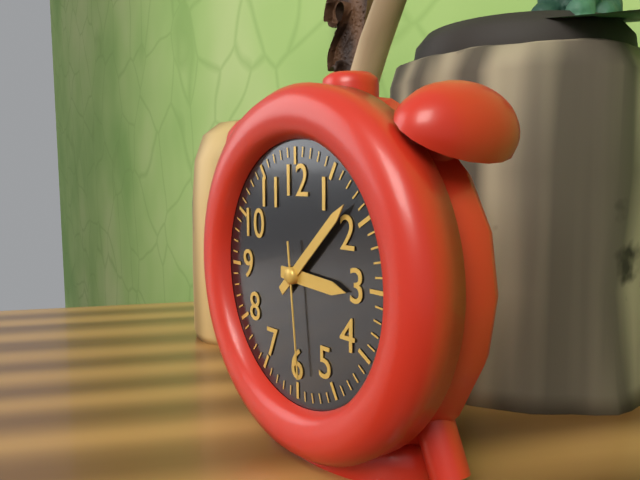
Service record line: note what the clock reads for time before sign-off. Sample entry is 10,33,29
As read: 3,08,29
